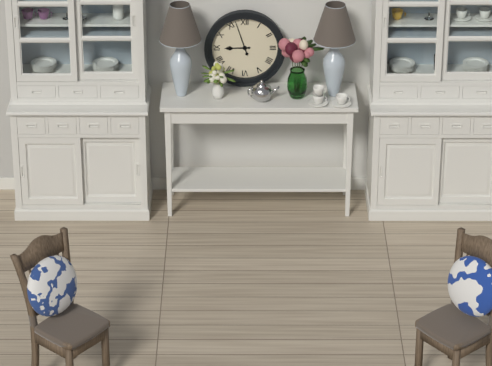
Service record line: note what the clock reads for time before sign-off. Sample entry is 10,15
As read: 8,57
